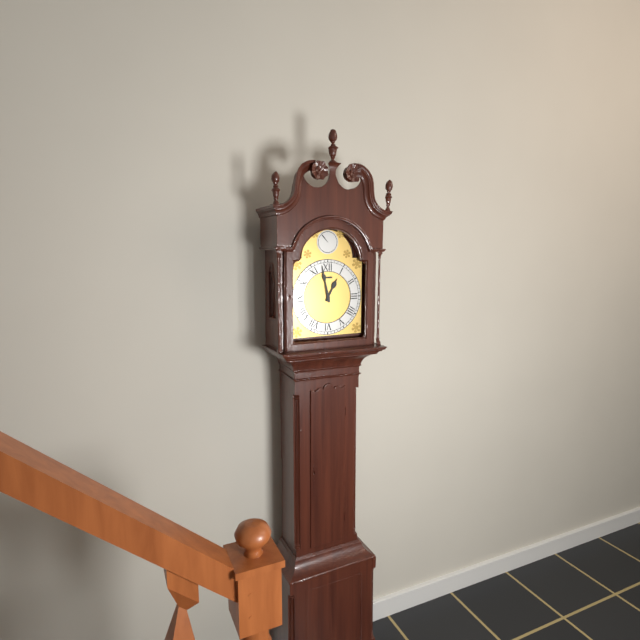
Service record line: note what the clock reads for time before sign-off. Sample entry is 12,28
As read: 12,58
